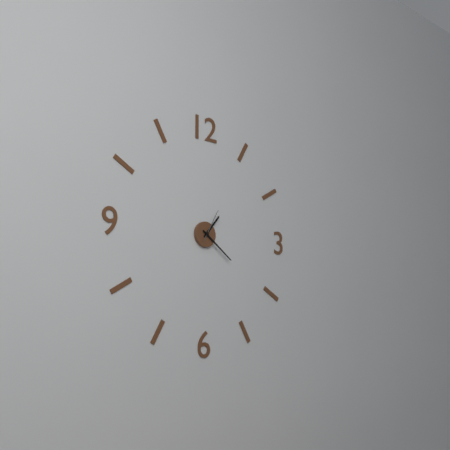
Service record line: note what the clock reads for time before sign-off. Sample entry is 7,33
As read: 1,21
